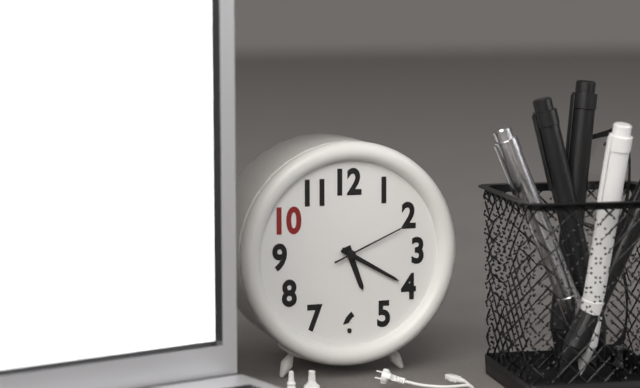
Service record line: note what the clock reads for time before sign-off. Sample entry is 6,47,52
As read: 5,20,11
